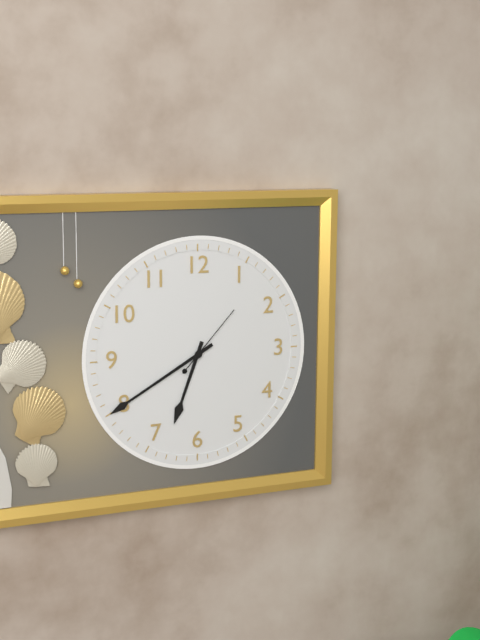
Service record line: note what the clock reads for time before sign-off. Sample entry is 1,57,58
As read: 6,40,07
